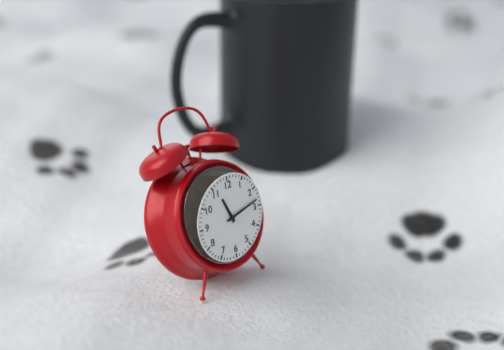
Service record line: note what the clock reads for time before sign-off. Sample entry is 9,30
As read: 11,13
